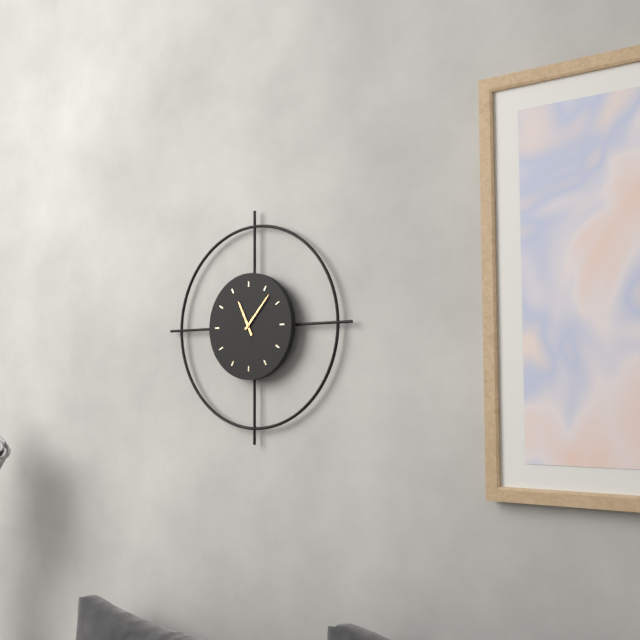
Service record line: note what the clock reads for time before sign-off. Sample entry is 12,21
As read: 11,07
